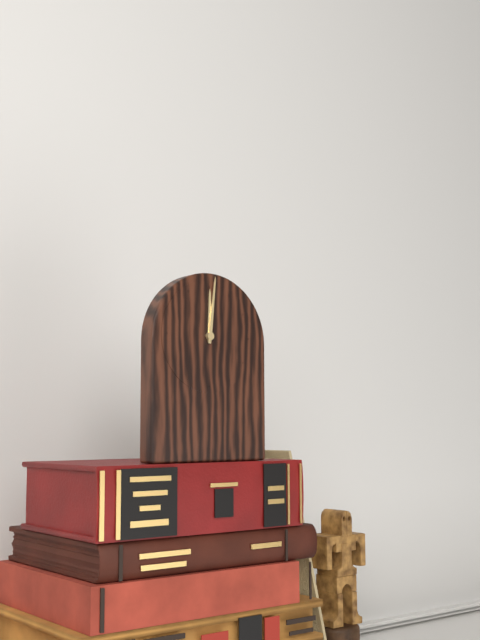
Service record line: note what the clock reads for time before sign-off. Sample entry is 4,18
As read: 12,01
